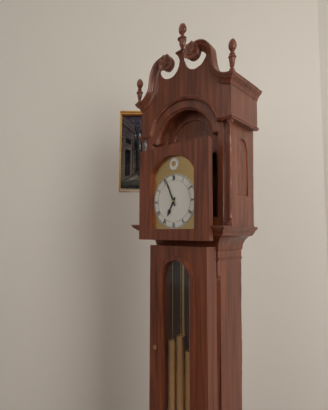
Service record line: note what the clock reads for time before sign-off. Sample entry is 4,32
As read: 6,56
